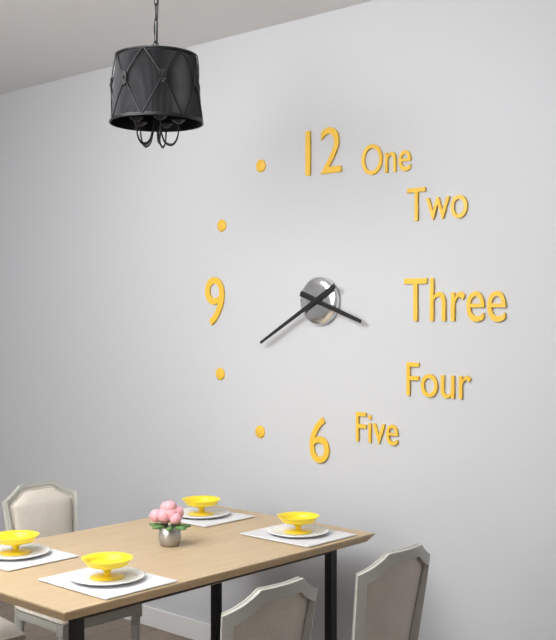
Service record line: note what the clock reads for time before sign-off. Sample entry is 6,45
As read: 3,40
